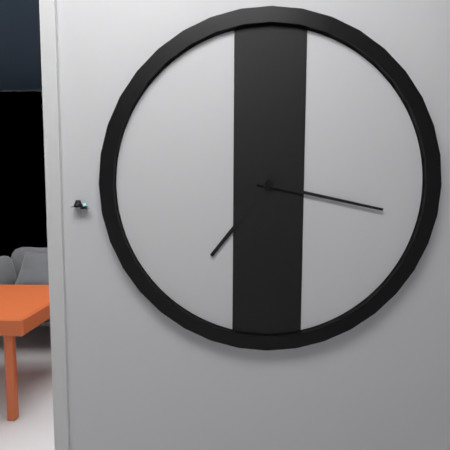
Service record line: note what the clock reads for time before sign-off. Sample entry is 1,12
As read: 7,17
